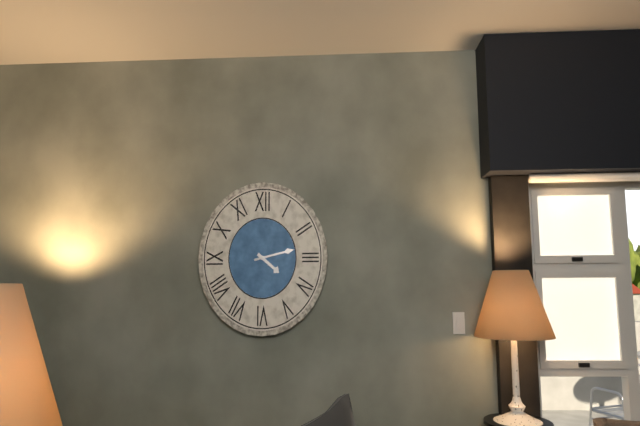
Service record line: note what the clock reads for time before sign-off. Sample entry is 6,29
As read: 4,13
